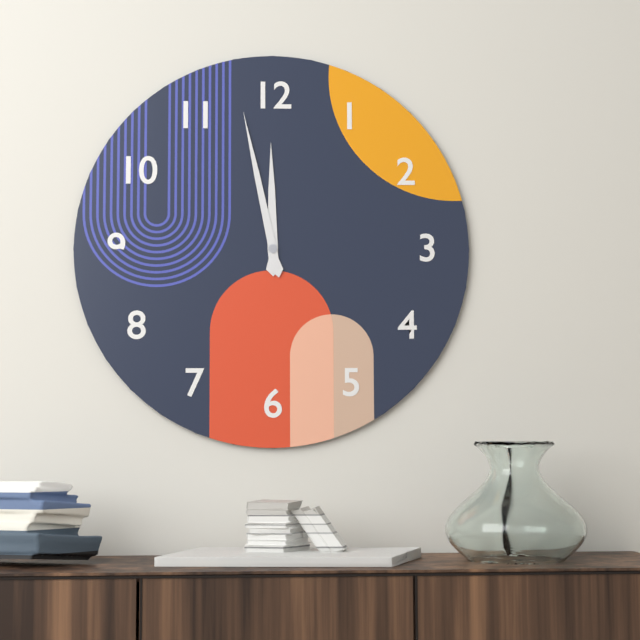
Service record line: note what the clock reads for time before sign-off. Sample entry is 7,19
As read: 11,58
